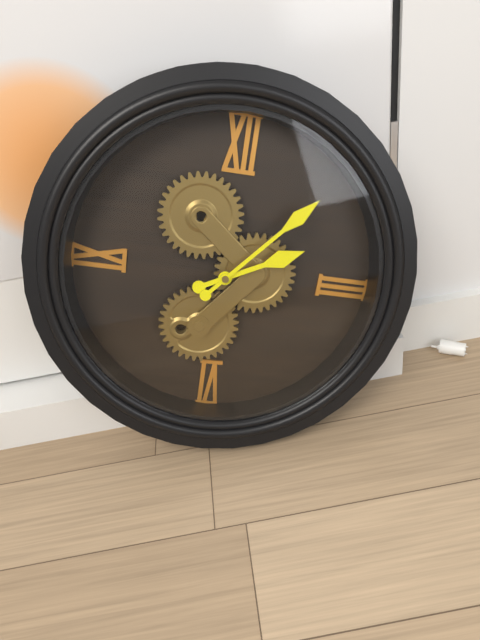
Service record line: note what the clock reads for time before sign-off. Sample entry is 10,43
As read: 2,07
